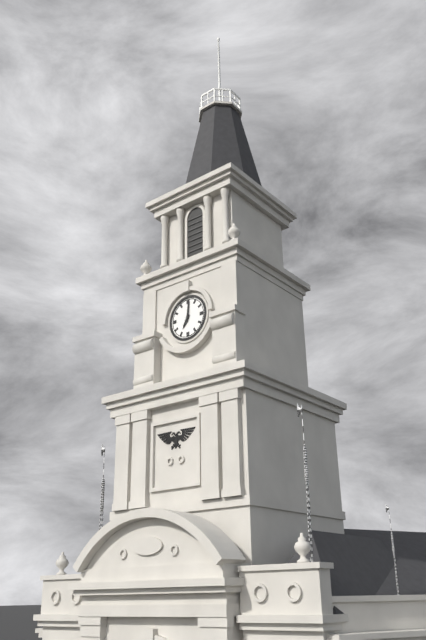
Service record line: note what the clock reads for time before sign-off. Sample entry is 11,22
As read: 7,01
